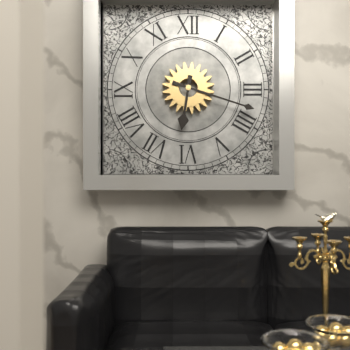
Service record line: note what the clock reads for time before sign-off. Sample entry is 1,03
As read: 6,18
